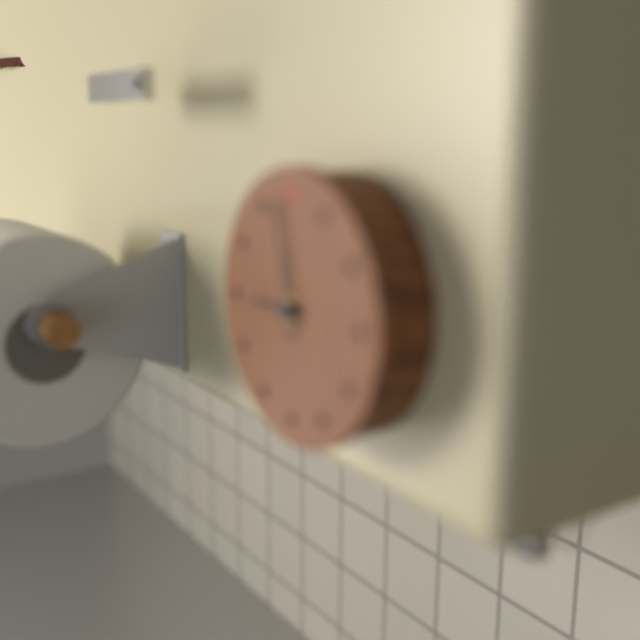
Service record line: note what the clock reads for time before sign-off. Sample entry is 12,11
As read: 8,58
